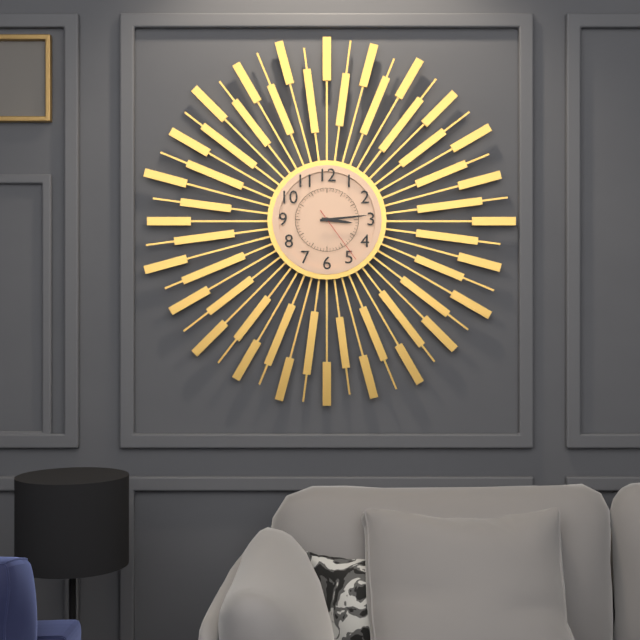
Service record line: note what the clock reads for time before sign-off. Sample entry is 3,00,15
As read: 3,14,24
